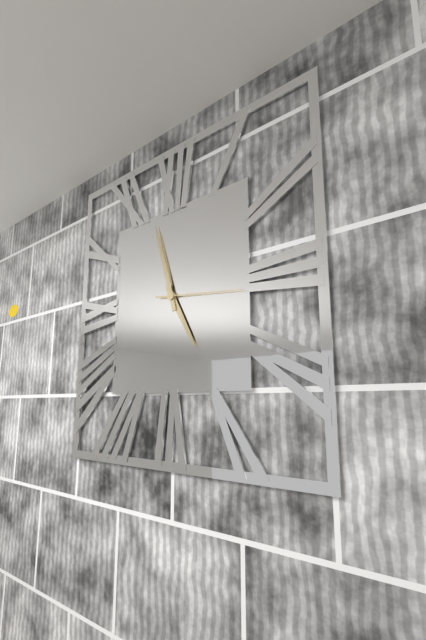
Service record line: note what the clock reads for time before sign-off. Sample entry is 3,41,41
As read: 4,57,16
